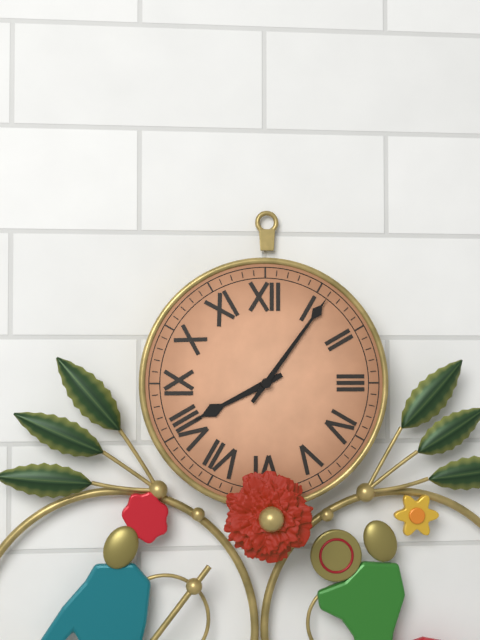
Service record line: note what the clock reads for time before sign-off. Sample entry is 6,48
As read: 8,06
